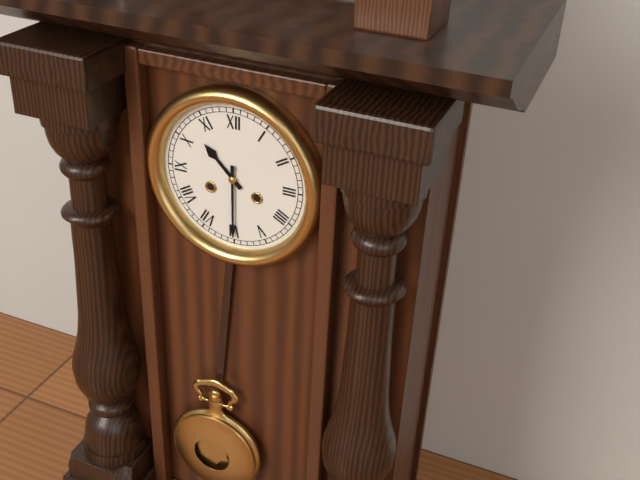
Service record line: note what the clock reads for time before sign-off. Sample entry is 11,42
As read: 10,30
